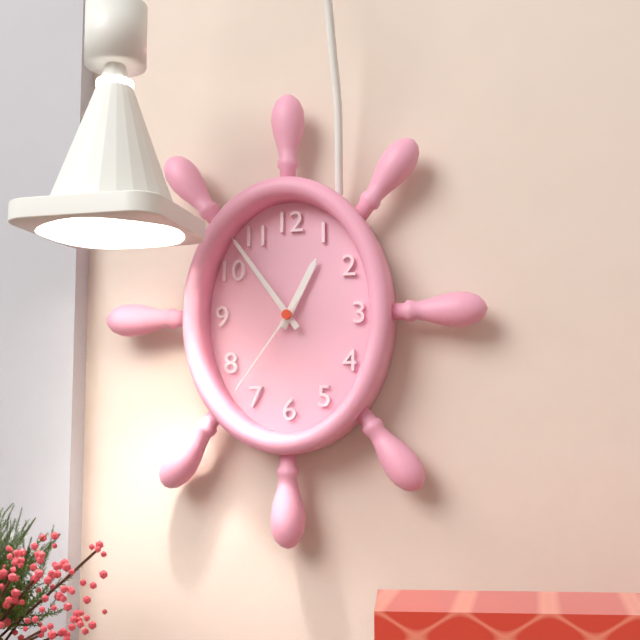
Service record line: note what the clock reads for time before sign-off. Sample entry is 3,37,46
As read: 12,54,36
